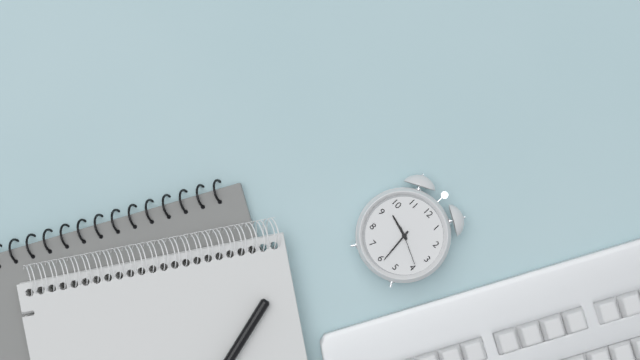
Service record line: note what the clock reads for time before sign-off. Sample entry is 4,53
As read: 9,29
